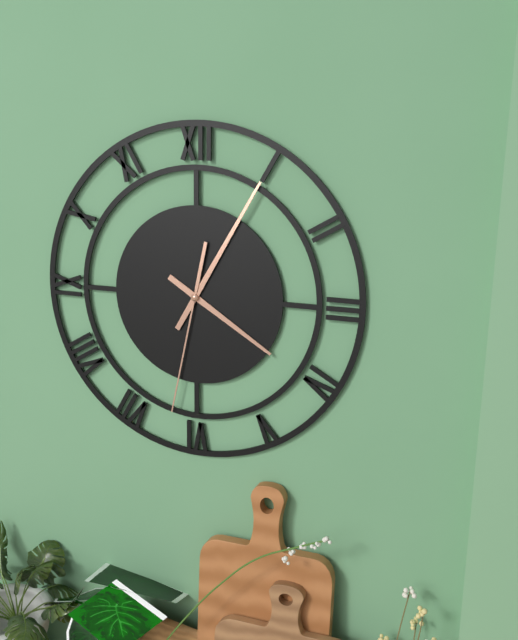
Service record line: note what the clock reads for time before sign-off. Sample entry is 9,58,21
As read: 4,05,32
